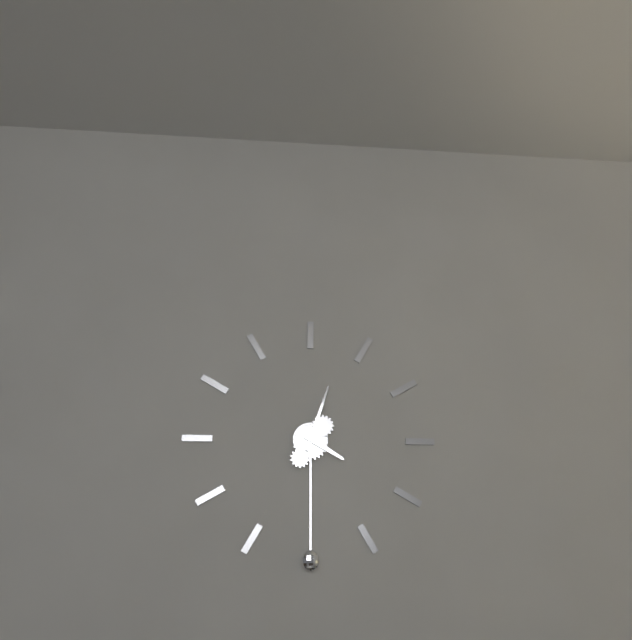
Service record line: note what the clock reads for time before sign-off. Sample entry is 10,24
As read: 4,03
